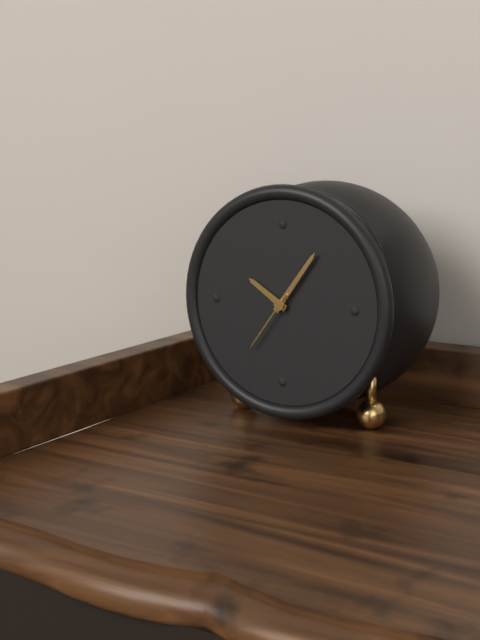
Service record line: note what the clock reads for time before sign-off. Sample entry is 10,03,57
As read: 10,06,36
